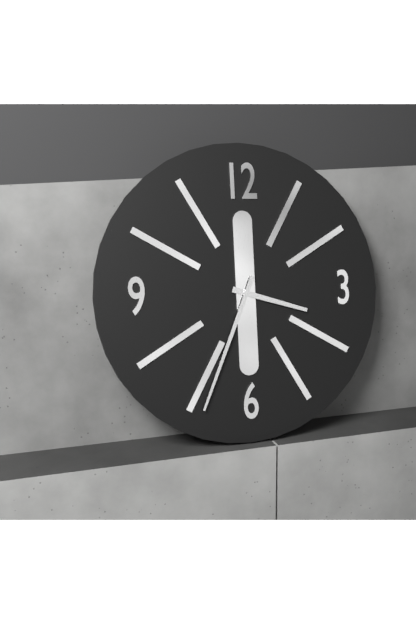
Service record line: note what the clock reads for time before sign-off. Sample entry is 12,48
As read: 3,34
